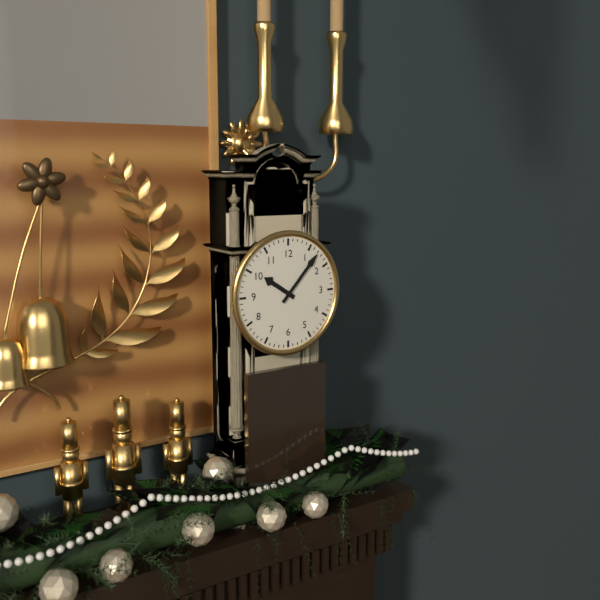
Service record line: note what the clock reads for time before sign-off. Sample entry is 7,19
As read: 10,07
